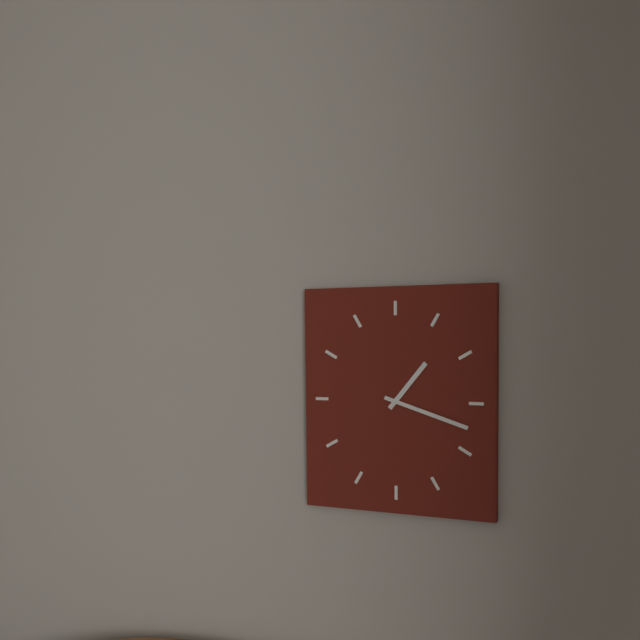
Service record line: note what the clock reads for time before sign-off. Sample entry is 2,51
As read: 1,18
